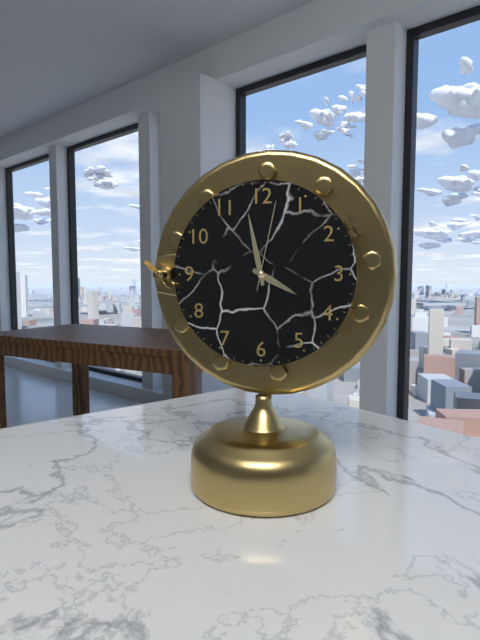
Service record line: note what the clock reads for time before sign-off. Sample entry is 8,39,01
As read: 3,58,02
